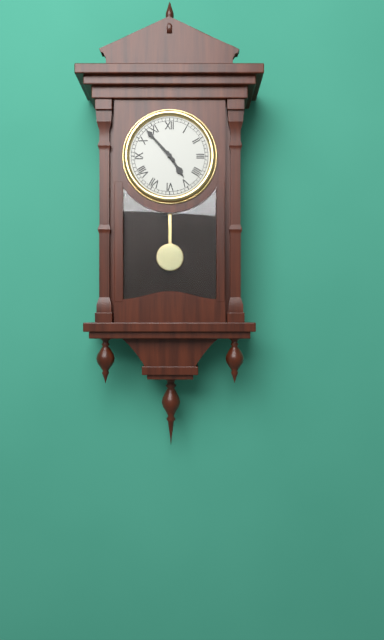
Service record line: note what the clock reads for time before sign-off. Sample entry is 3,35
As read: 4,53
